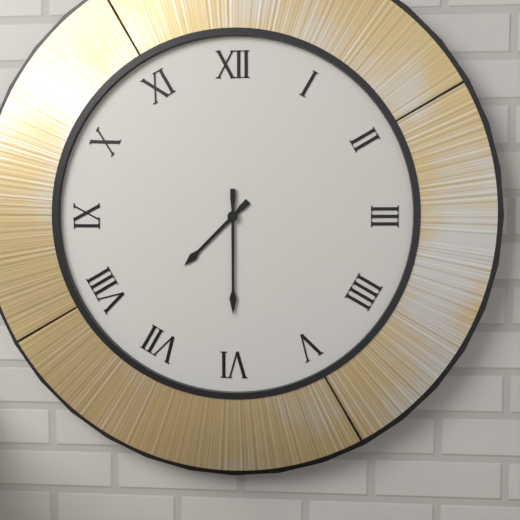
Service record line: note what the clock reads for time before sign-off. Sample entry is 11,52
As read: 7,30
